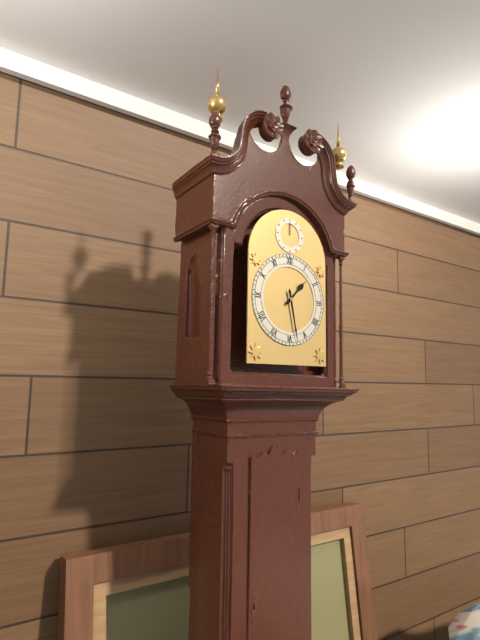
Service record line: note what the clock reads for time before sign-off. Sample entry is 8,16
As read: 1,28
